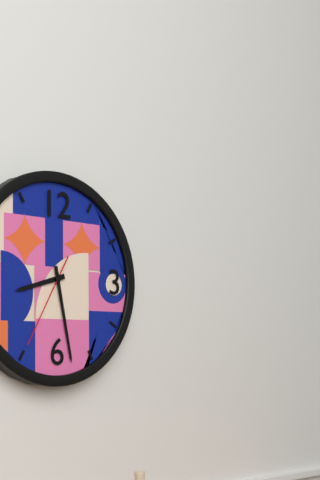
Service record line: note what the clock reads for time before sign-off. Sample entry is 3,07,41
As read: 8,28,35
